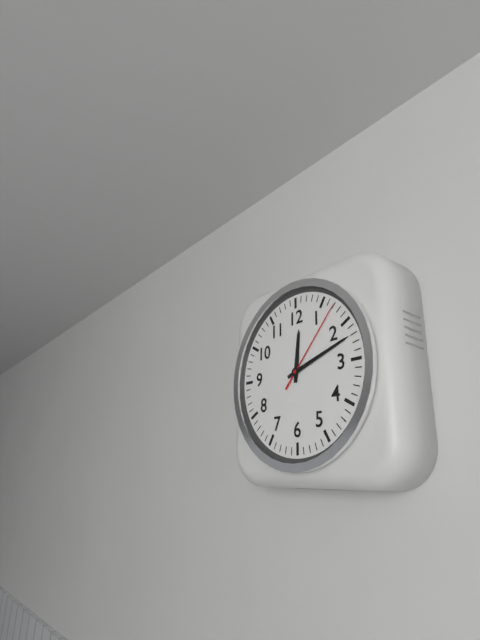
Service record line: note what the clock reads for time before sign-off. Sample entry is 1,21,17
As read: 12,12,07
